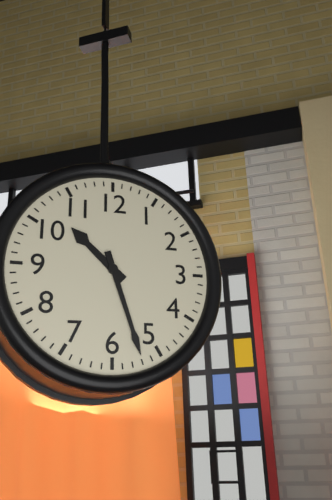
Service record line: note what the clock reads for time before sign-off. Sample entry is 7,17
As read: 10,27
